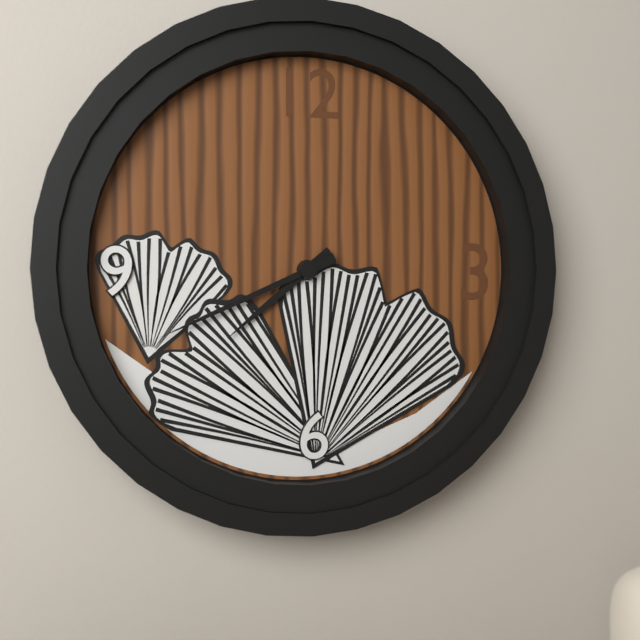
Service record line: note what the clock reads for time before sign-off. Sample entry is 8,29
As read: 7,41
